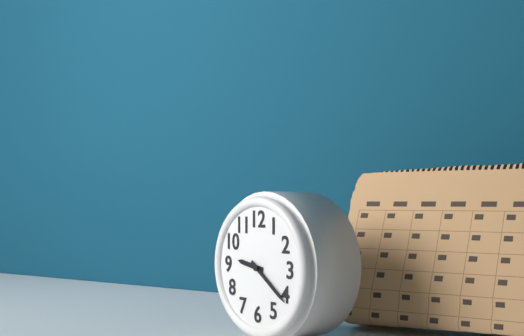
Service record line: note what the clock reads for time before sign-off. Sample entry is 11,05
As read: 9,21
